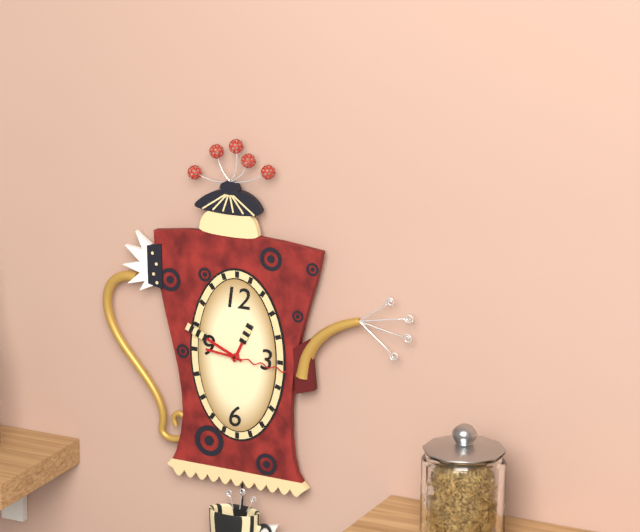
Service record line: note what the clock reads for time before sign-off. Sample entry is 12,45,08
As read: 12,49,16
